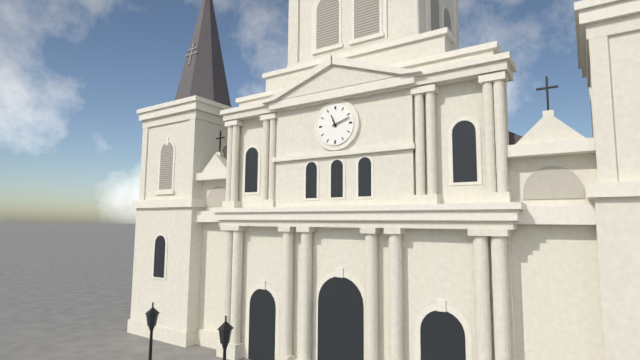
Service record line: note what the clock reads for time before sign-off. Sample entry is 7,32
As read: 11,12
